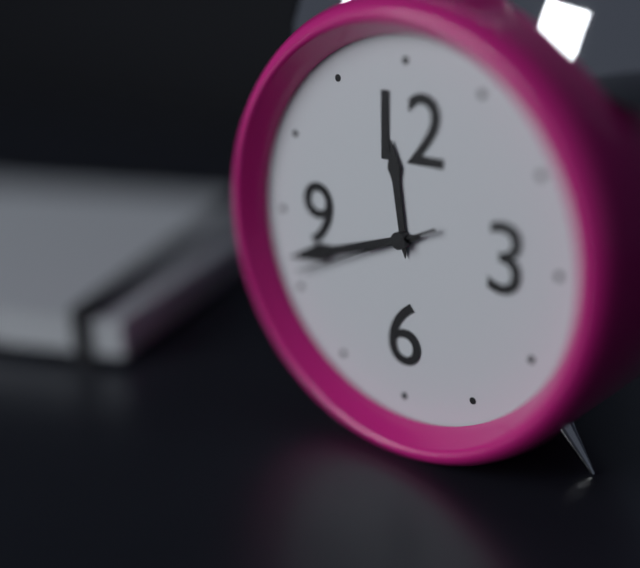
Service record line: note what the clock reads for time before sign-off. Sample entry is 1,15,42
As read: 11,42,41
